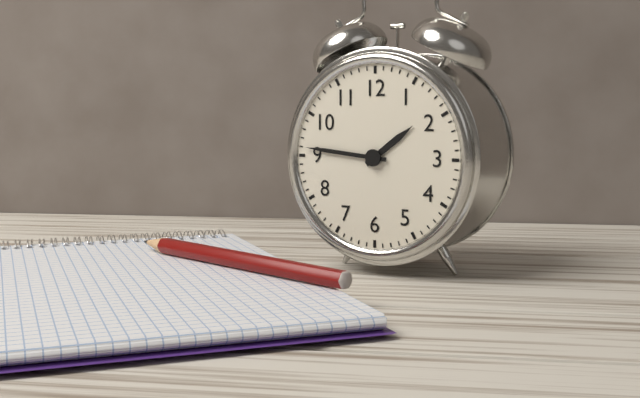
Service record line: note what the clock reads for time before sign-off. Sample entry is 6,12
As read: 1,46
